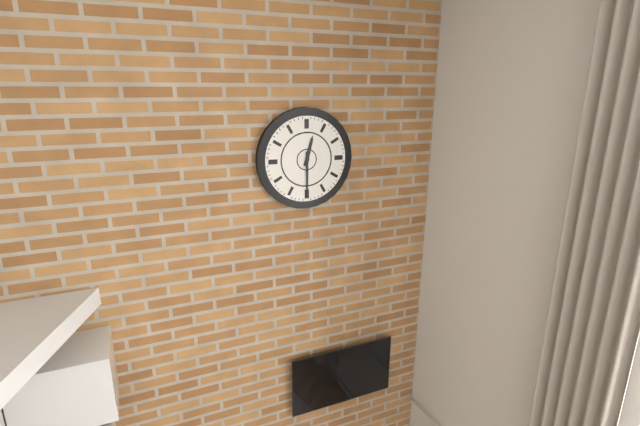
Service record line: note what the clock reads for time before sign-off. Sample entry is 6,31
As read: 12,30
